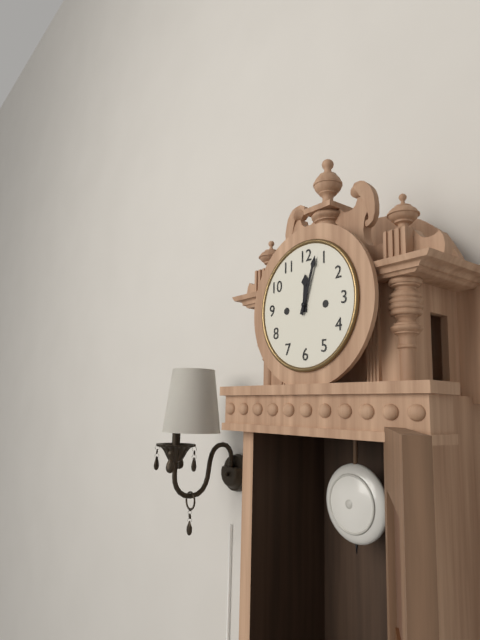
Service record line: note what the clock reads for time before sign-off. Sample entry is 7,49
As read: 12,03
